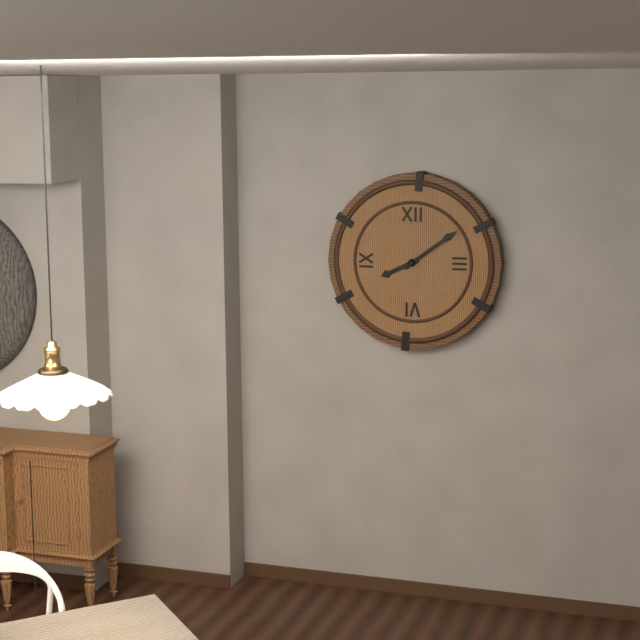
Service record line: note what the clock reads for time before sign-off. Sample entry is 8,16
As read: 8,09
